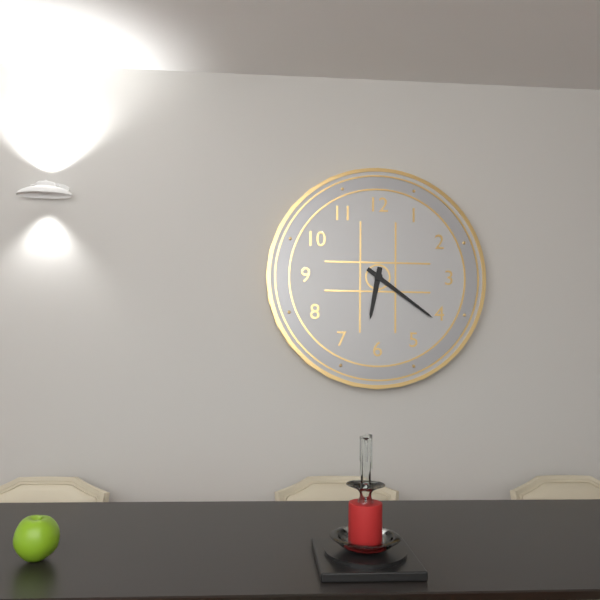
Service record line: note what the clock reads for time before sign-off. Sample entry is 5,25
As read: 6,21
